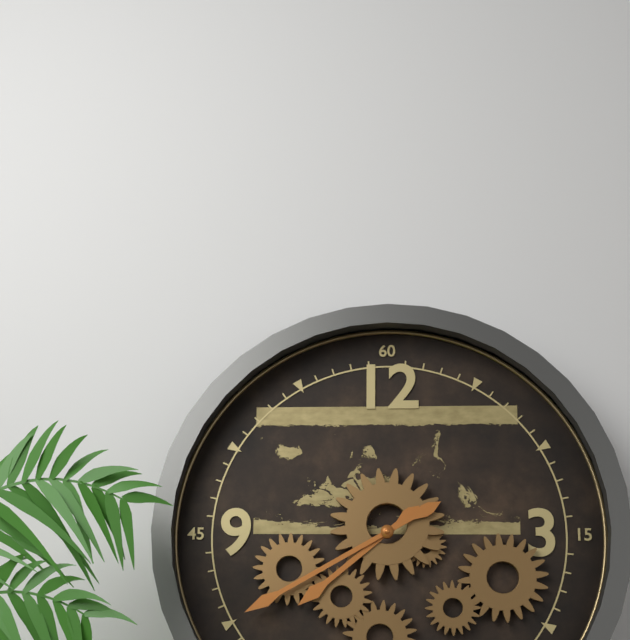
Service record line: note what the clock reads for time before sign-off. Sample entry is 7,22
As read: 7,40
